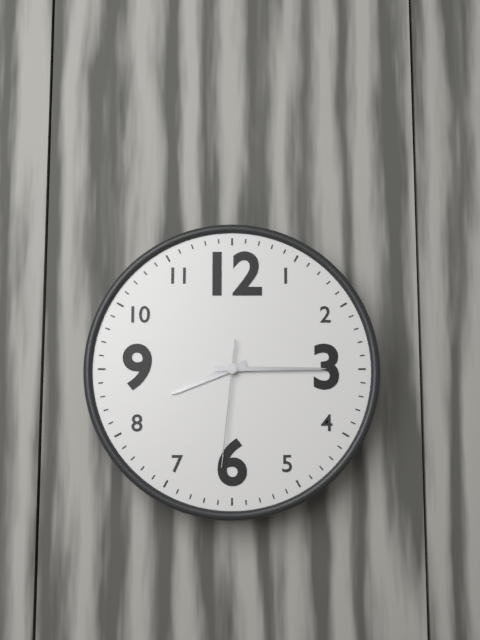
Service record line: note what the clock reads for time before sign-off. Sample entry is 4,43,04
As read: 8,15,31
